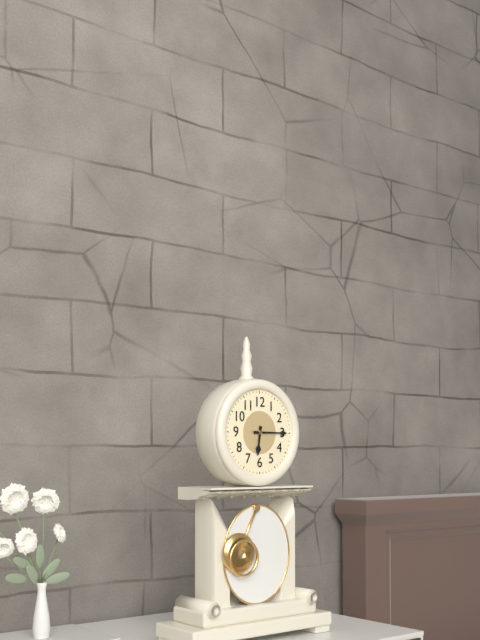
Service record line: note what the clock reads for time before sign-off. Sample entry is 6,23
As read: 6,15
